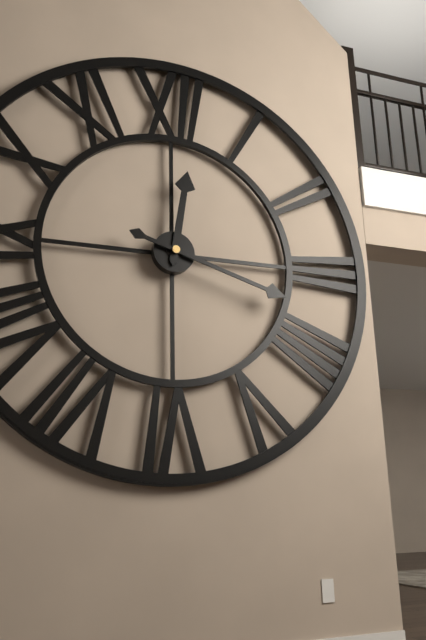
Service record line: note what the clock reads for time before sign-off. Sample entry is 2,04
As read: 12,18
